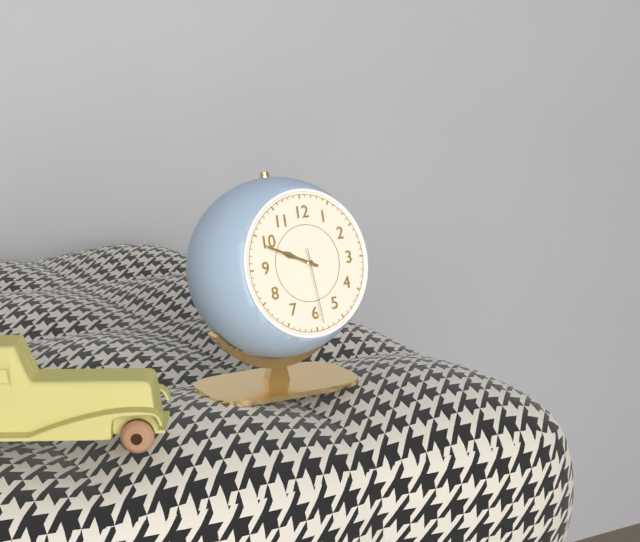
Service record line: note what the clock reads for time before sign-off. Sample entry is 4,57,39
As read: 9,49,29
